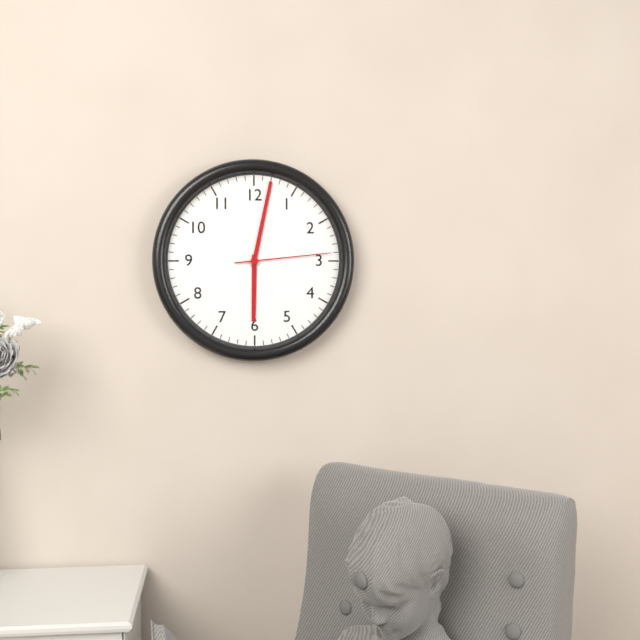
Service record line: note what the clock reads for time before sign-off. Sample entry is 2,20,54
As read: 6,02,14
